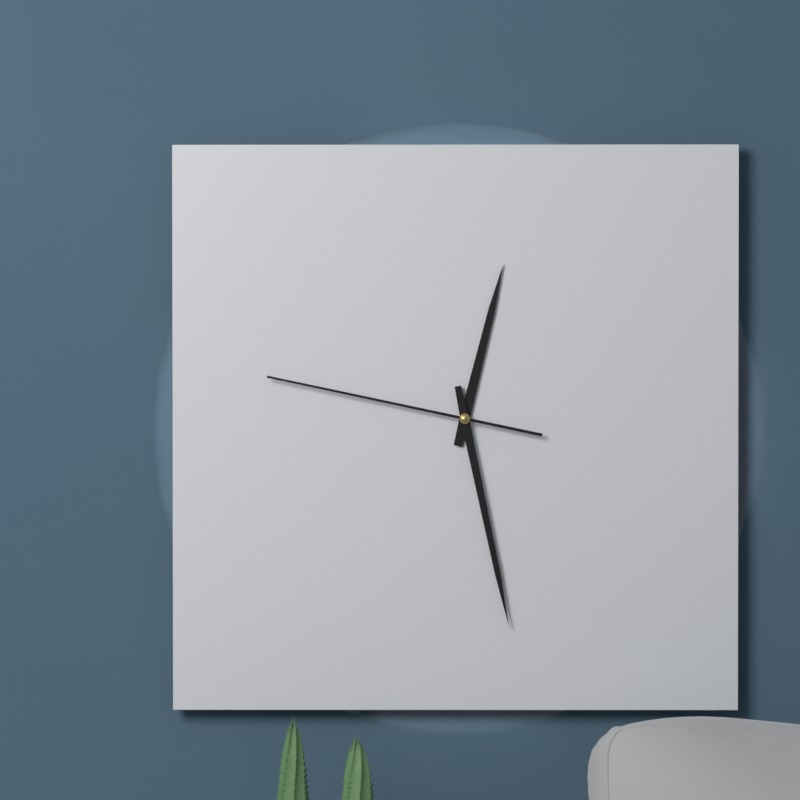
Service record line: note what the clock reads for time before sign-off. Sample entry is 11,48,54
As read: 12,28,47
